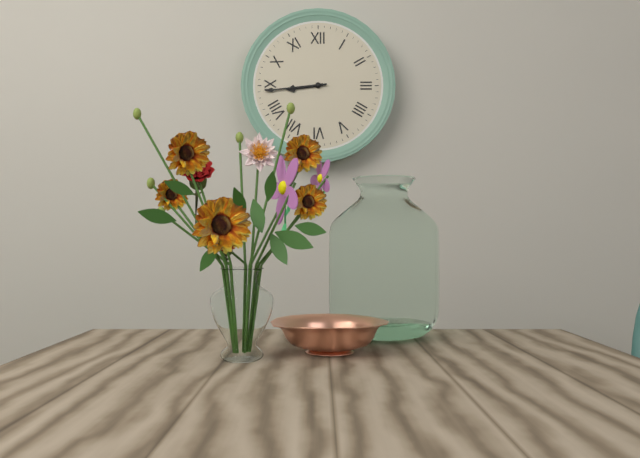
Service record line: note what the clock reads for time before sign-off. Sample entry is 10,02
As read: 8,44
